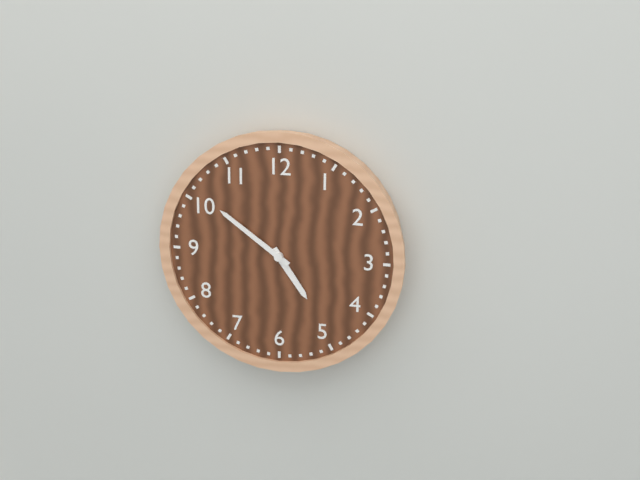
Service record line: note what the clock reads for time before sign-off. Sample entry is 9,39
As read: 4,51
